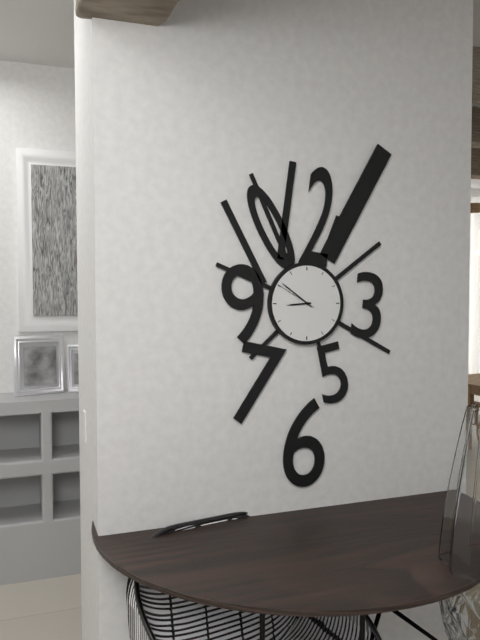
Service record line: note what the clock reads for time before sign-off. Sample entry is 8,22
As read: 8,51
